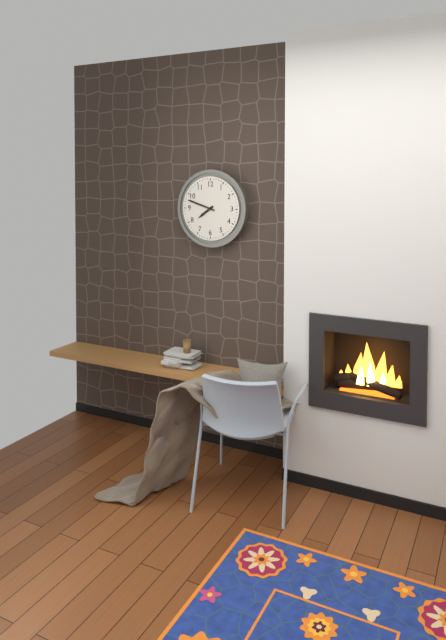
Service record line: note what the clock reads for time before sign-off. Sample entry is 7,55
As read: 7,48
